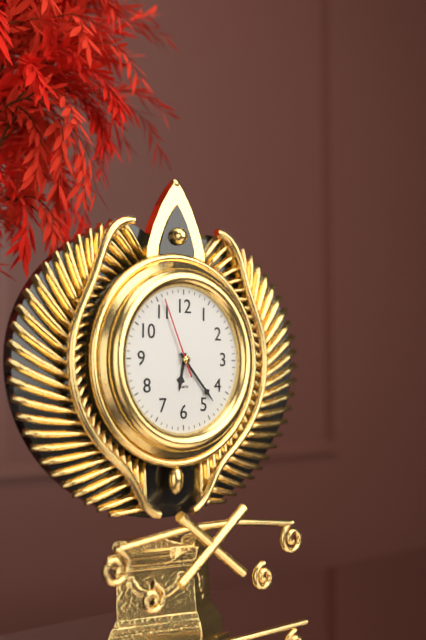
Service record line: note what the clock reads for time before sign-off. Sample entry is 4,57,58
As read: 6,23,56
